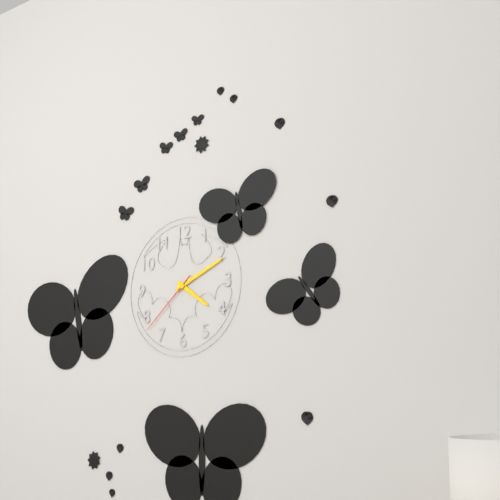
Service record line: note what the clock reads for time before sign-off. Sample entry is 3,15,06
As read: 4,11,38
